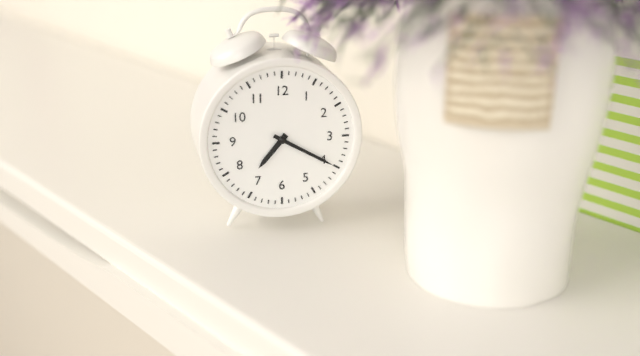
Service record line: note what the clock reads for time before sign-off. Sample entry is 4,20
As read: 7,20
